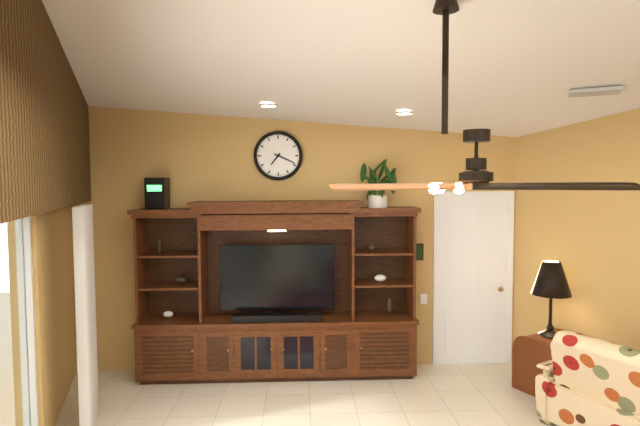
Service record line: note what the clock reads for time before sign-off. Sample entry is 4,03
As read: 7,19
